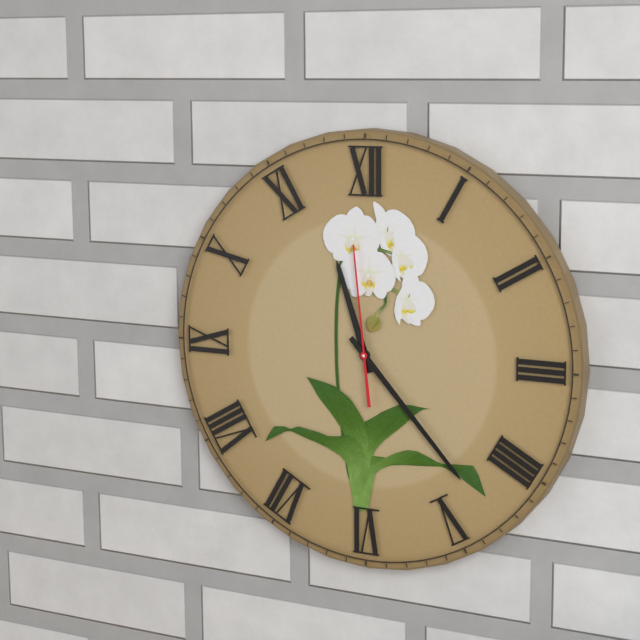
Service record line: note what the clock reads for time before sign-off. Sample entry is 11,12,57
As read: 11,23,59
